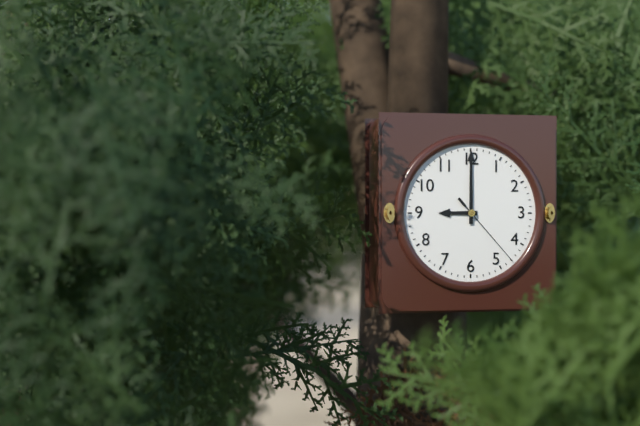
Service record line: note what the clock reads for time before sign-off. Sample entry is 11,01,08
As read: 9,00,23
